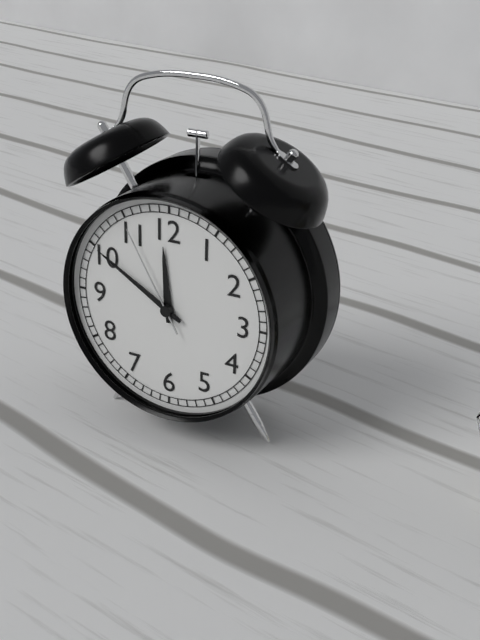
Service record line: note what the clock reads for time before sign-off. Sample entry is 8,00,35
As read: 11,50,55
